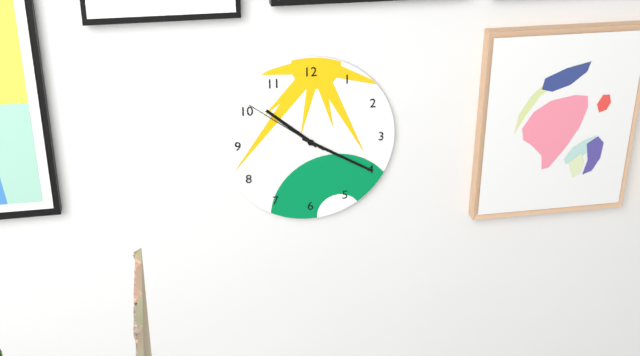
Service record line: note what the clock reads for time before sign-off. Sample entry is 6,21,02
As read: 10,20,51
